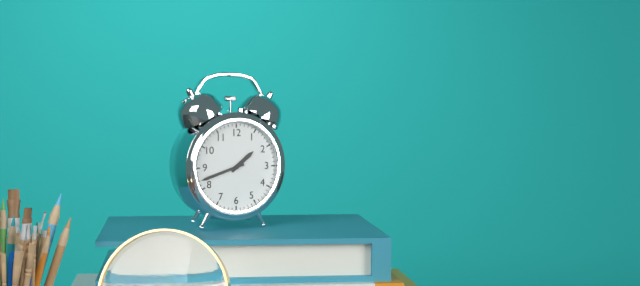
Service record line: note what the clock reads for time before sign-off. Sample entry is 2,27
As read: 1,42
